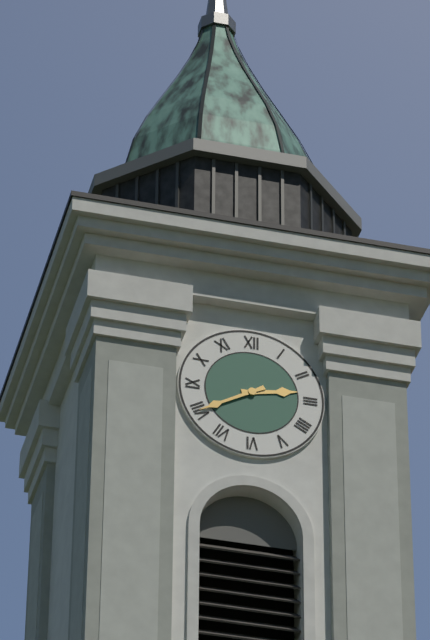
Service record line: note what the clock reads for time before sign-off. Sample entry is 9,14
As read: 2,40
